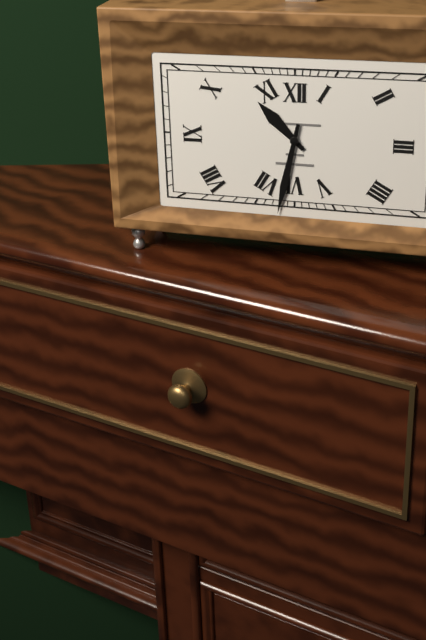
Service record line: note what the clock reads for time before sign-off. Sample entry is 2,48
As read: 10,32
